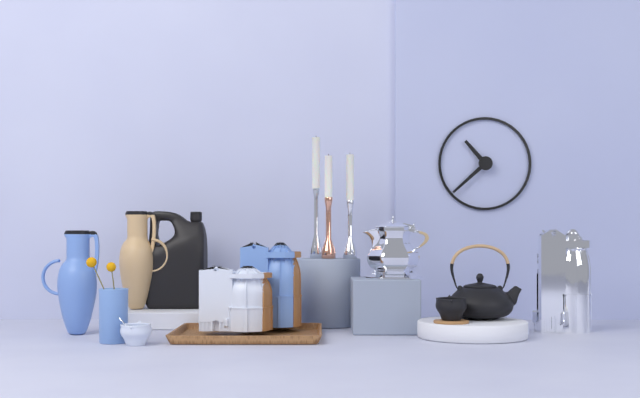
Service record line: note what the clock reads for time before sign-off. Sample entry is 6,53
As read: 10,38
